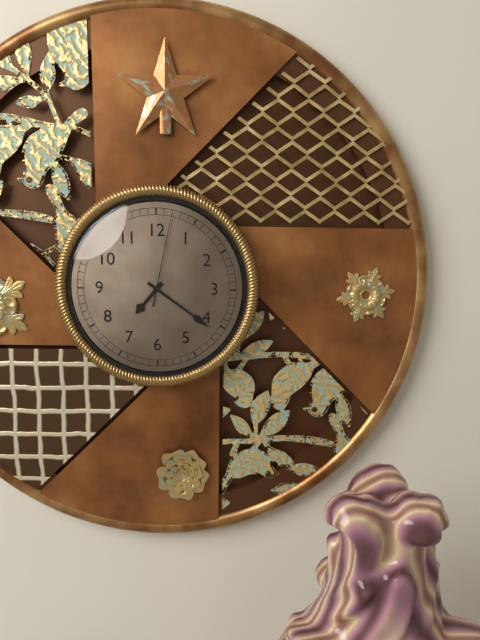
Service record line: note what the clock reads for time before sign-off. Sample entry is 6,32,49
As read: 7,21,02
